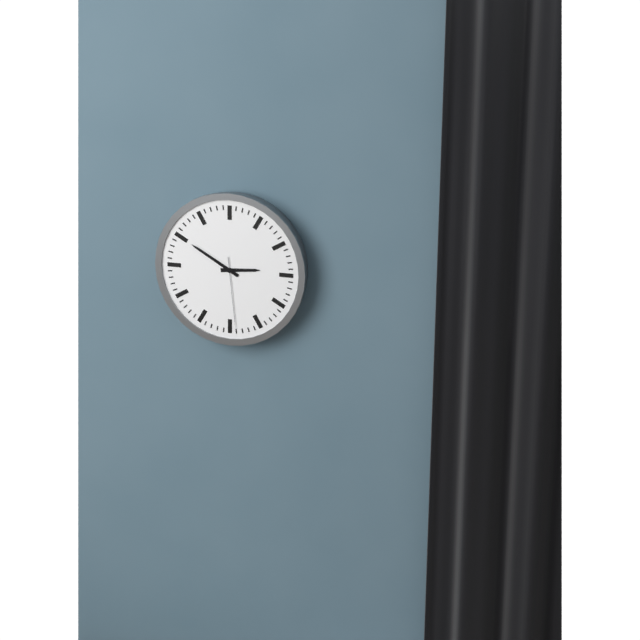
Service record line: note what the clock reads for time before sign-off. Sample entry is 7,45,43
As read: 2,50,29
